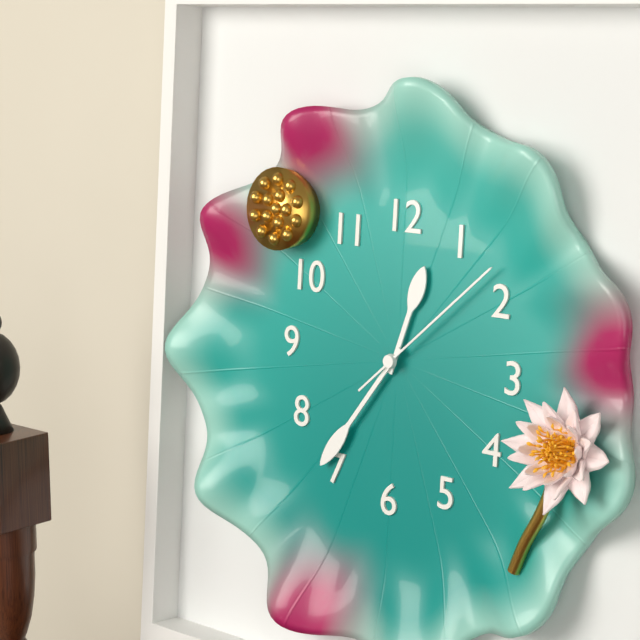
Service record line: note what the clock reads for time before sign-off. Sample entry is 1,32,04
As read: 12,36,08
